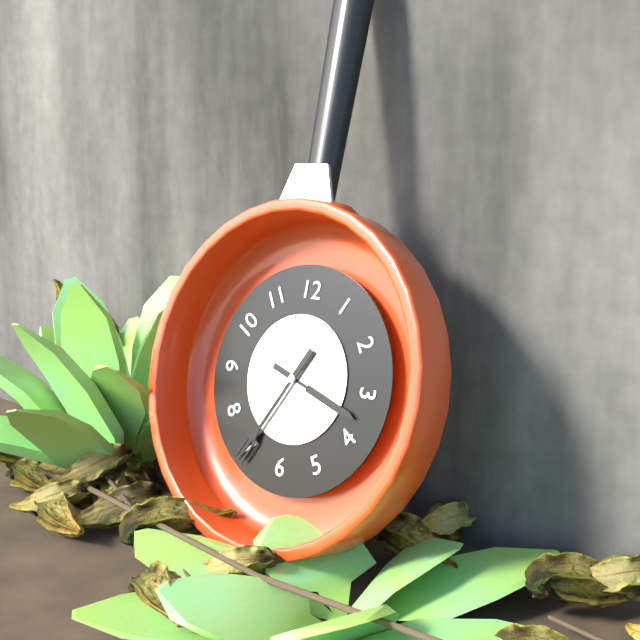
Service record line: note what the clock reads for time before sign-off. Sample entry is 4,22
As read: 3,35
